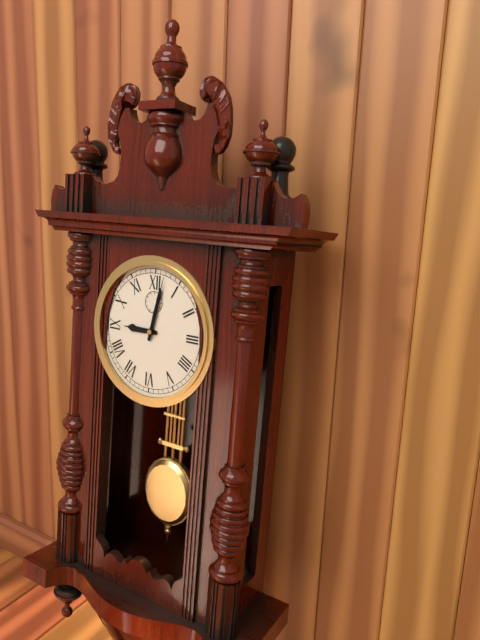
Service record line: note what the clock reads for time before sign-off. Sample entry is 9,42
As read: 9,02
